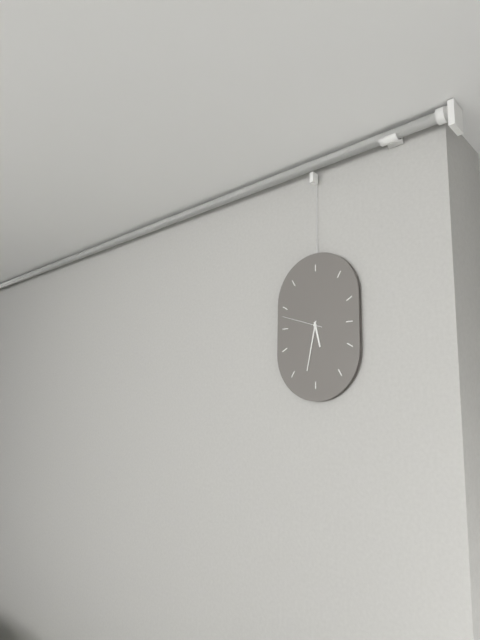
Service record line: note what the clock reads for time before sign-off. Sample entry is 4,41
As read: 5,32
